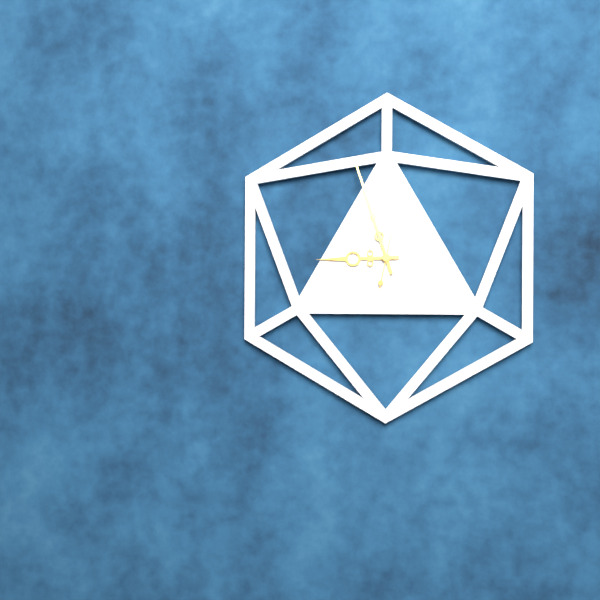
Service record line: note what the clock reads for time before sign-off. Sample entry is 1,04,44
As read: 8,57,02
